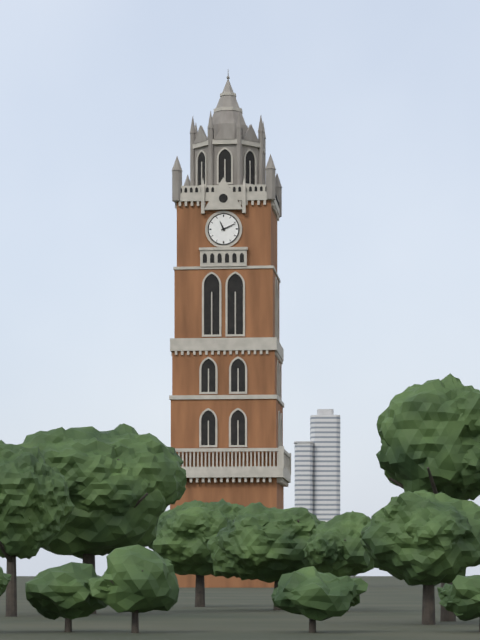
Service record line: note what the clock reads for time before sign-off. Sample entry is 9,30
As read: 11,11
